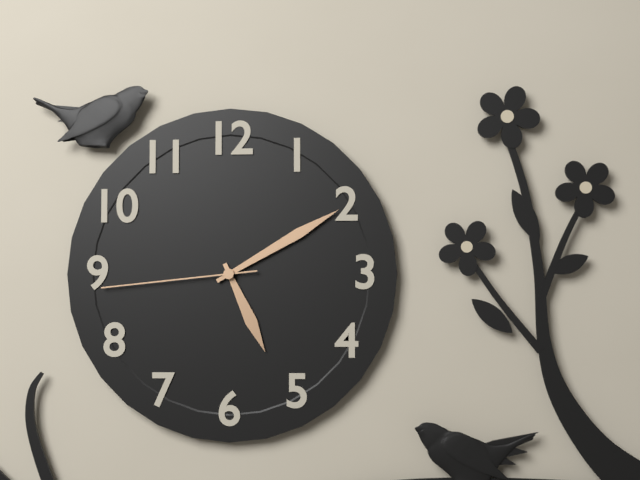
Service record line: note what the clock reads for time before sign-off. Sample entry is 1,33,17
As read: 5,10,44
